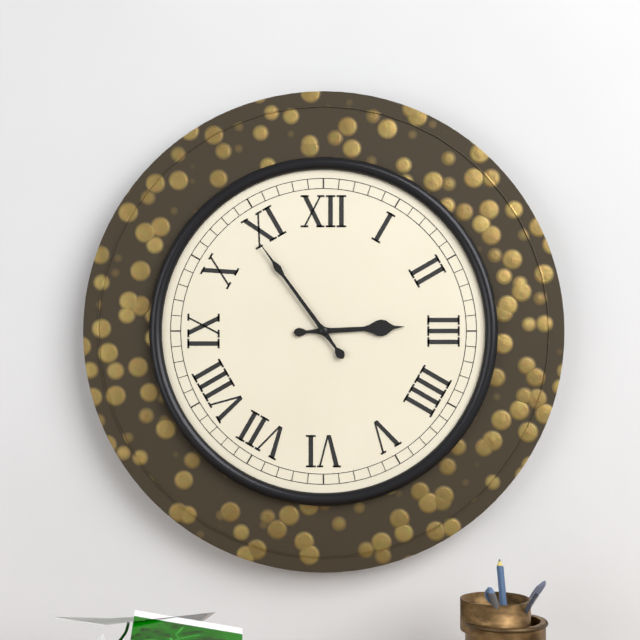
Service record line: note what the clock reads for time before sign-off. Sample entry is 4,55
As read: 2,54
